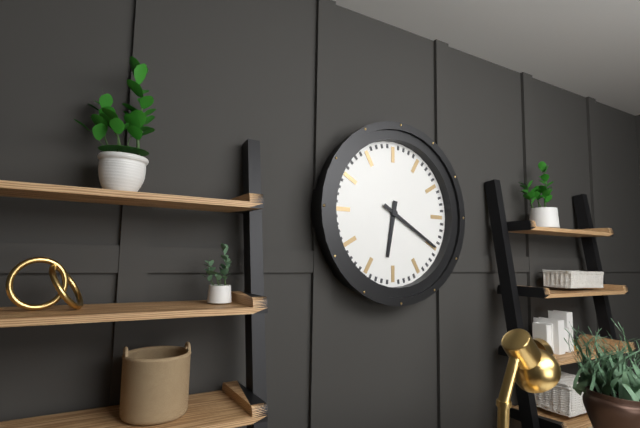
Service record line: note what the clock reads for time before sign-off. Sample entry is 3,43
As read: 6,20
